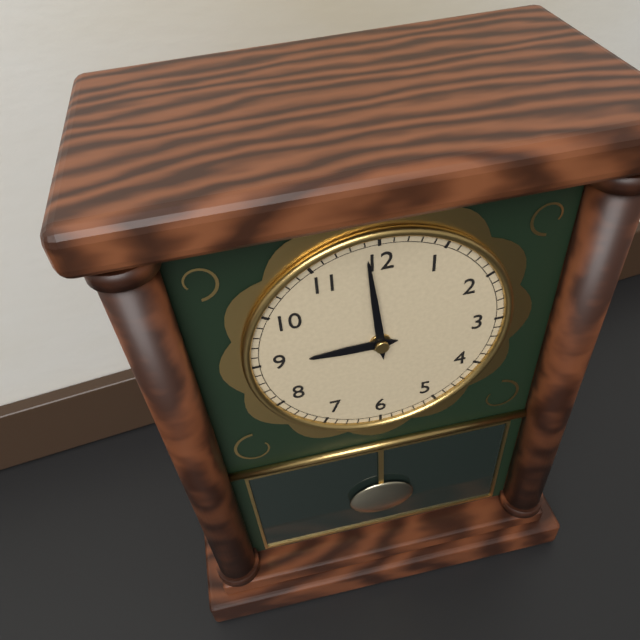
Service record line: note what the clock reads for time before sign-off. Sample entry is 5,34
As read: 8,59
